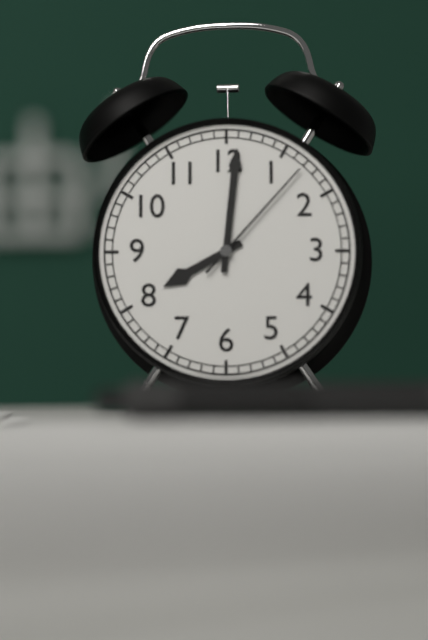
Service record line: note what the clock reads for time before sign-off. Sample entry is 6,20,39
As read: 8,01,07
